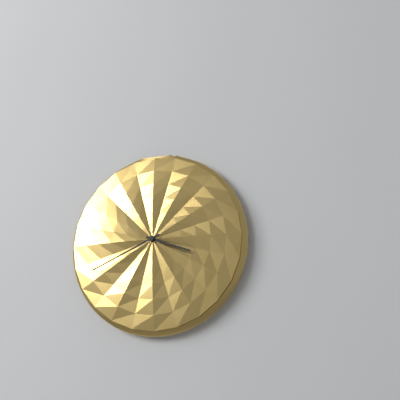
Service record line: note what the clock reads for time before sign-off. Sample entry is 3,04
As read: 3,41
